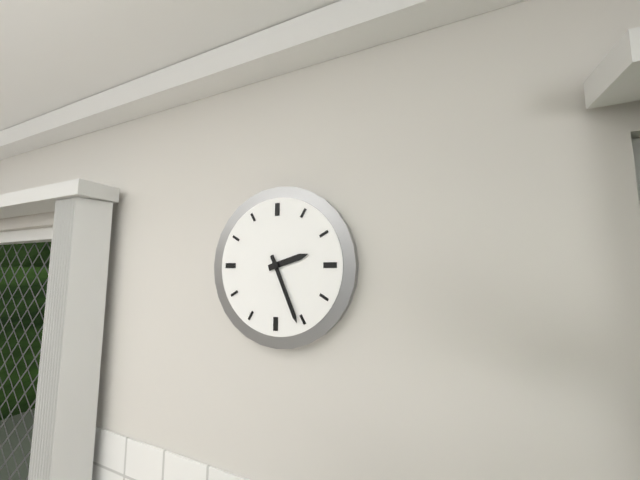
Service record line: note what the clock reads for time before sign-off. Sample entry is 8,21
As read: 2,26
